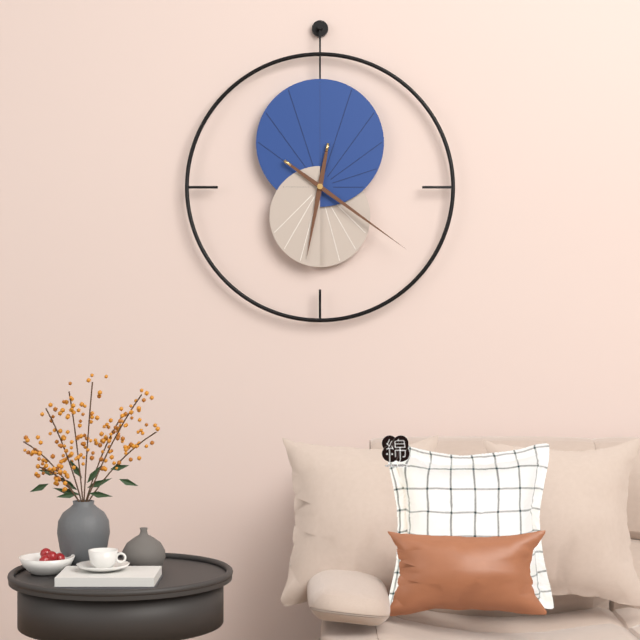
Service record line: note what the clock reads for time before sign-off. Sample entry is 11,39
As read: 6,21
